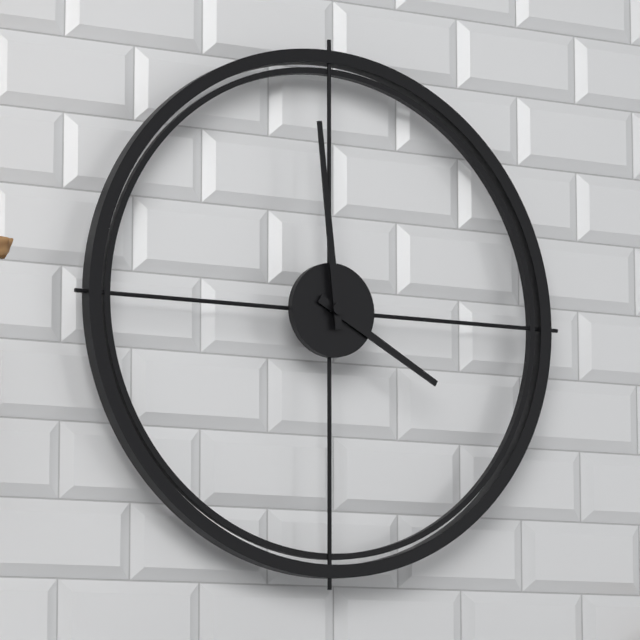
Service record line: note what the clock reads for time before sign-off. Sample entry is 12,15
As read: 3,59
